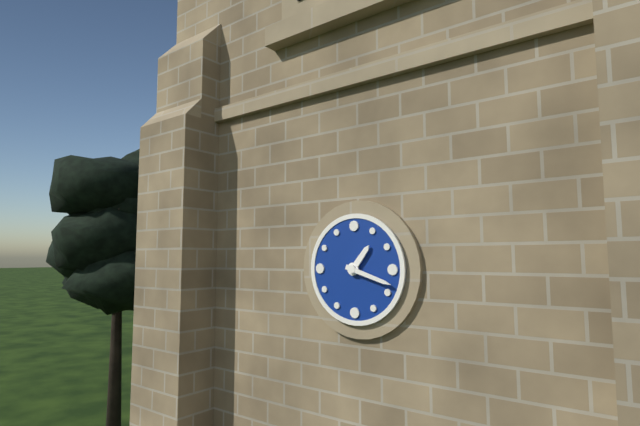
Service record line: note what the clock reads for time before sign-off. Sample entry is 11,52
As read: 1,18
